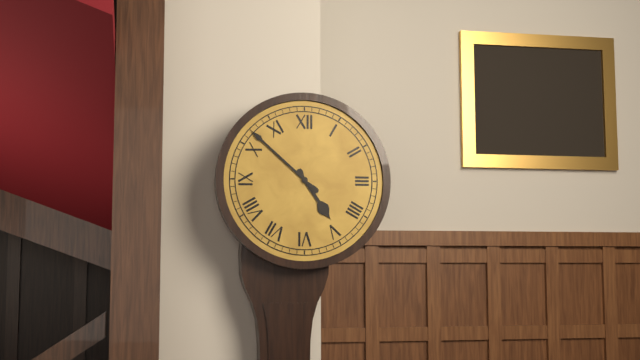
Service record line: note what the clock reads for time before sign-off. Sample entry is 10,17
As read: 4,52
